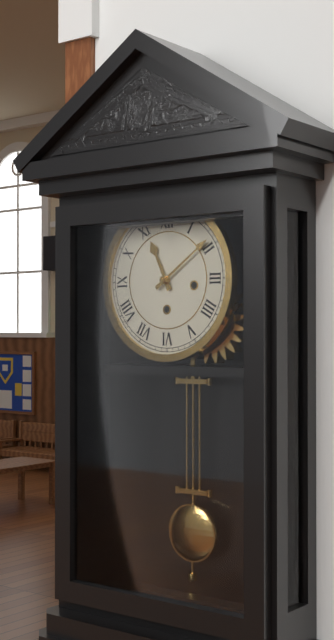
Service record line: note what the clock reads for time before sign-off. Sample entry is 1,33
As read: 11,09
